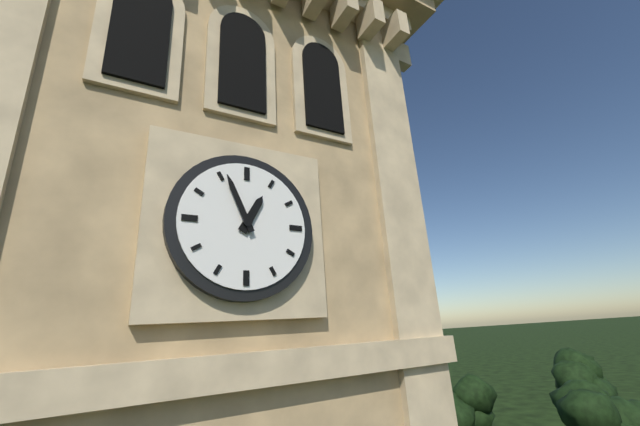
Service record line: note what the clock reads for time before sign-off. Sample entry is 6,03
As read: 12,56
